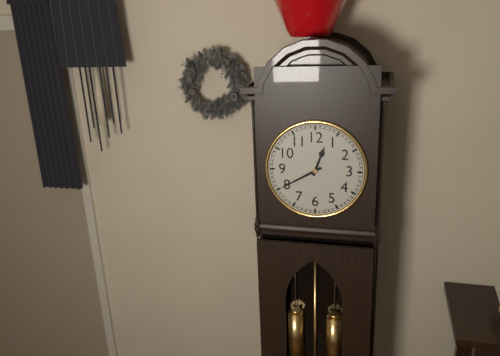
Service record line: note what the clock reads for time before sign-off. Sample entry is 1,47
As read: 12,40
